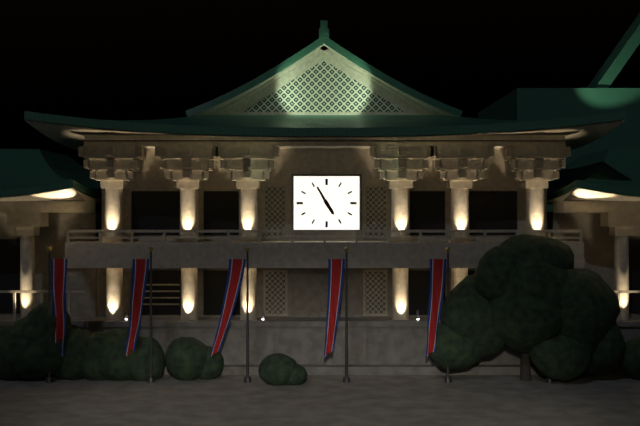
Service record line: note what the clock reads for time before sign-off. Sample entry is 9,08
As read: 4,55
